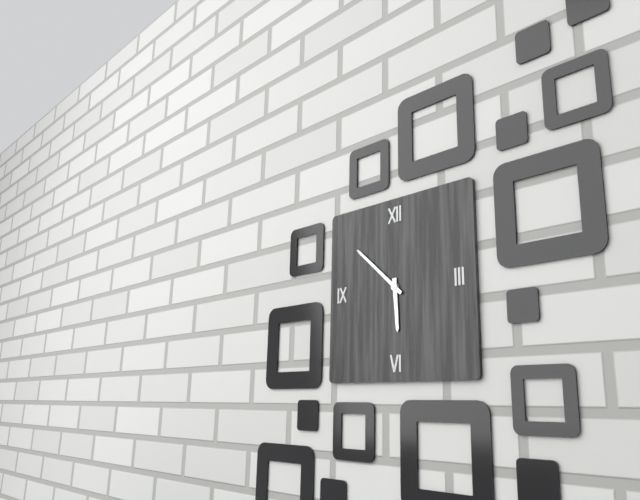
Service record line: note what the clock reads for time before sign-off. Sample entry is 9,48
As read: 5,52
